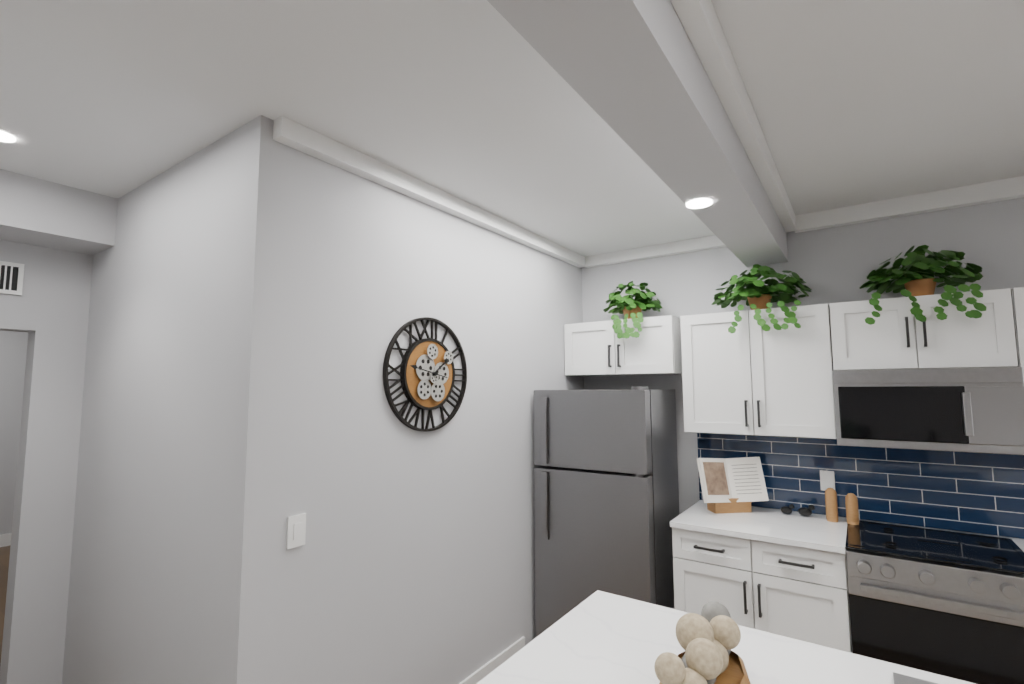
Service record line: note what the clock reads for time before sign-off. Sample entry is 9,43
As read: 1,47
